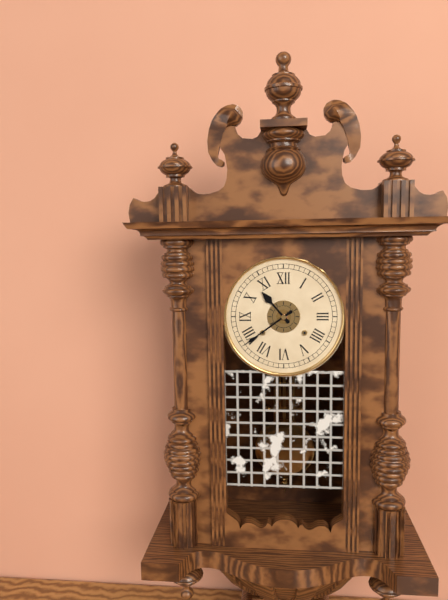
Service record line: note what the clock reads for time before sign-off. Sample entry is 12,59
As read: 10,39
